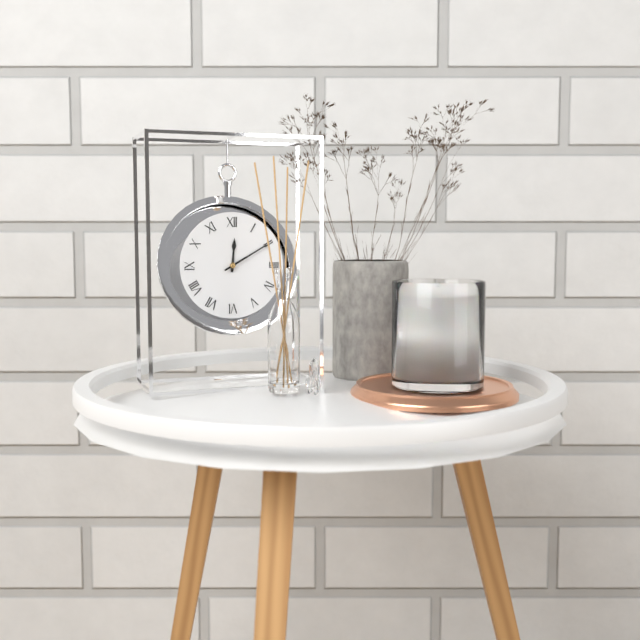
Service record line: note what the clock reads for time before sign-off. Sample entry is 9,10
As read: 12,10
